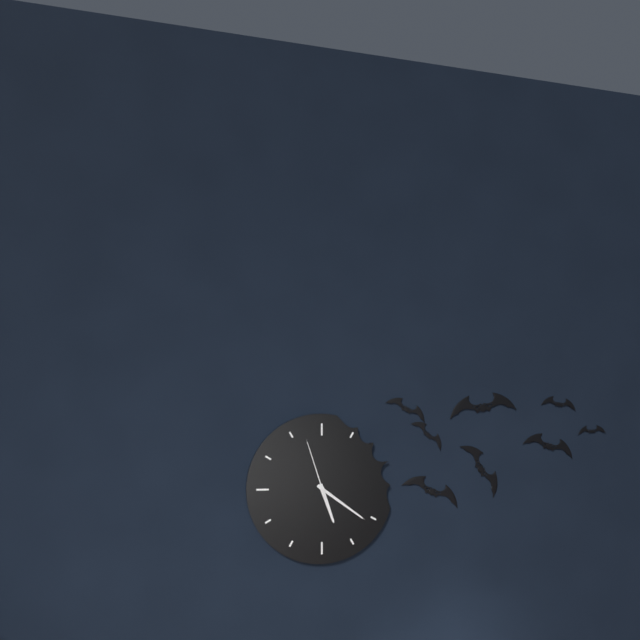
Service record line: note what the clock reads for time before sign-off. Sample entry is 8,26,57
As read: 5,21,57
